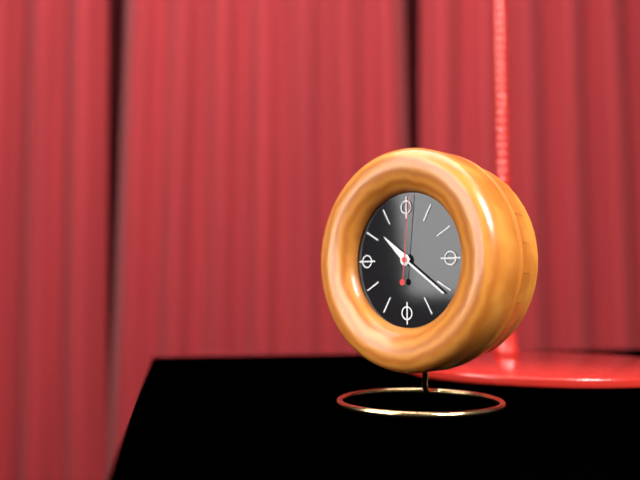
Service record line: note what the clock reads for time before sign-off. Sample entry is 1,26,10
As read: 10,21,01
